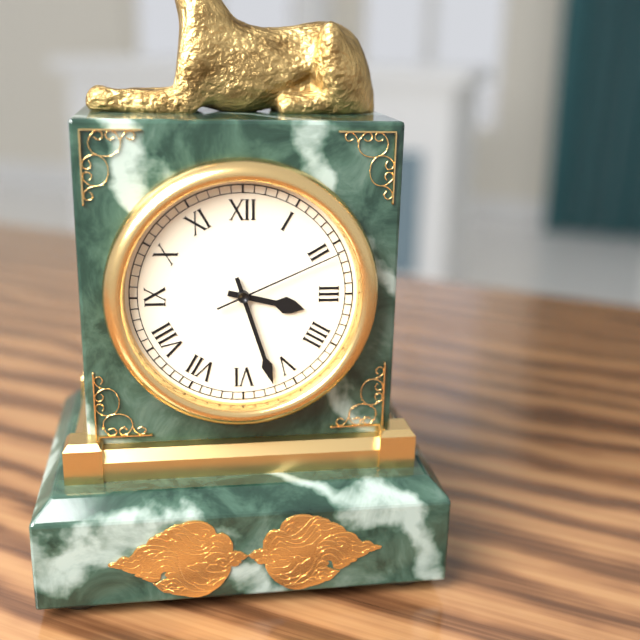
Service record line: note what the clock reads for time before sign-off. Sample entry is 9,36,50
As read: 3,27,11
